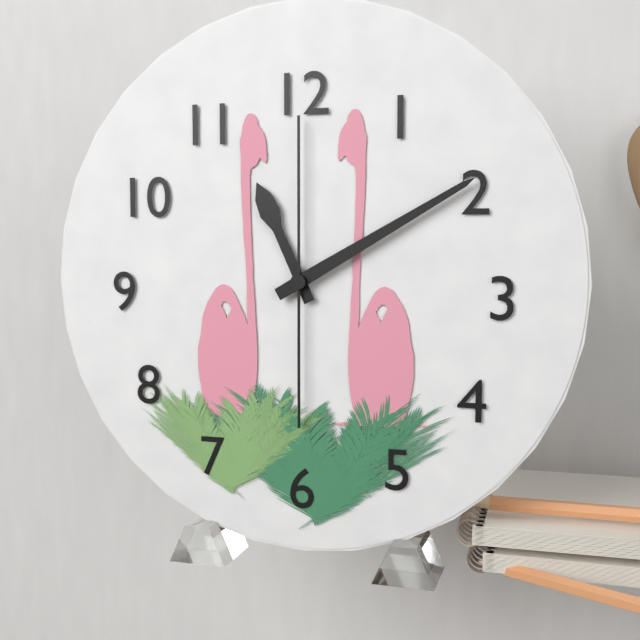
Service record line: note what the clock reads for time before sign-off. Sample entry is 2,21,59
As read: 11,10,00
